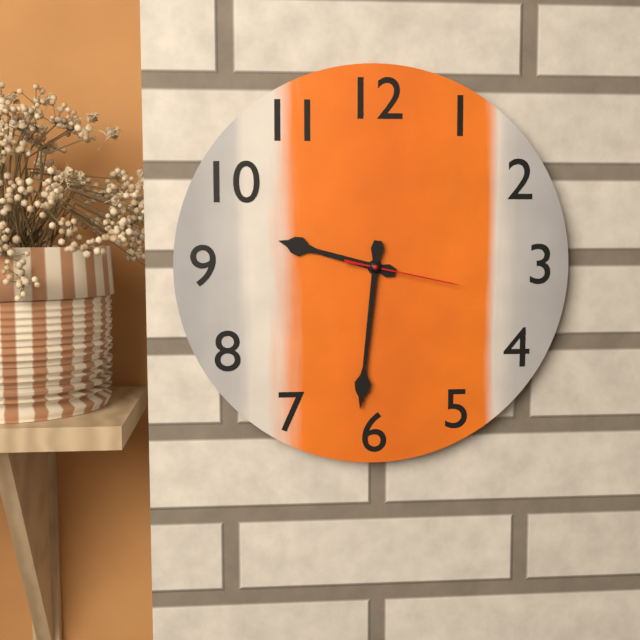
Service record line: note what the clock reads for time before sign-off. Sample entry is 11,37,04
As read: 9,31,17
